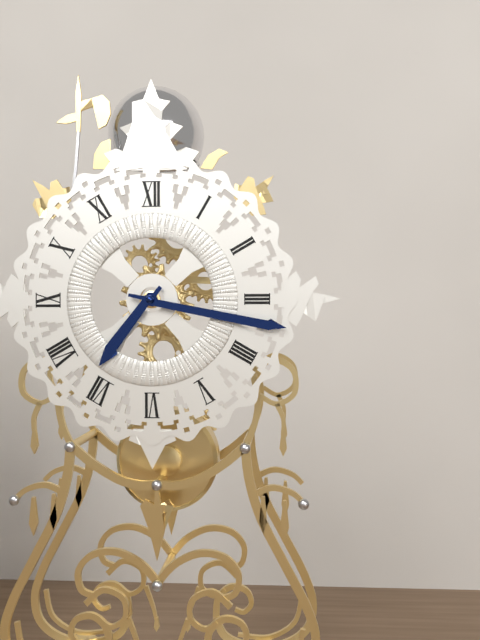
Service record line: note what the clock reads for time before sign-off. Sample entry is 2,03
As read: 7,17
